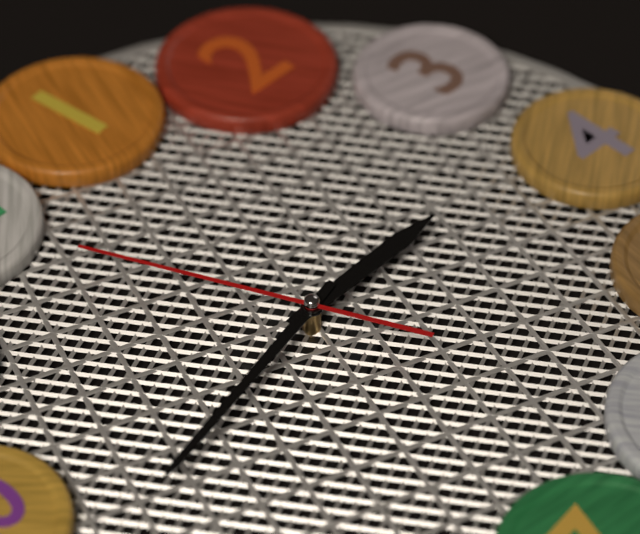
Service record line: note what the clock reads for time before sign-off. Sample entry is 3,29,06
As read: 3,47,00
